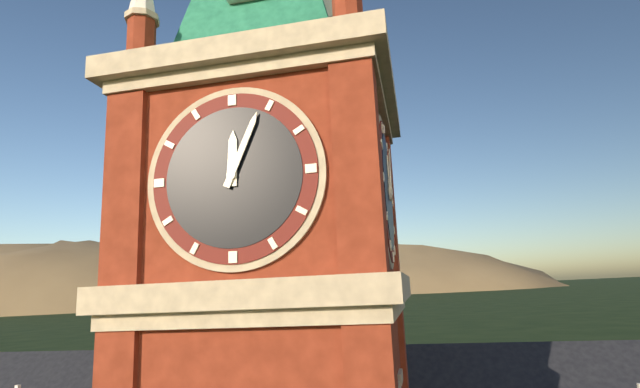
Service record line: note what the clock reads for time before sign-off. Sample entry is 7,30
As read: 12,04
